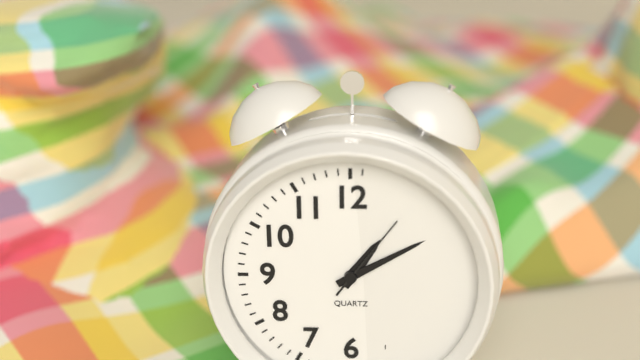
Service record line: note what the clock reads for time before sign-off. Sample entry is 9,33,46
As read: 1,10,06
